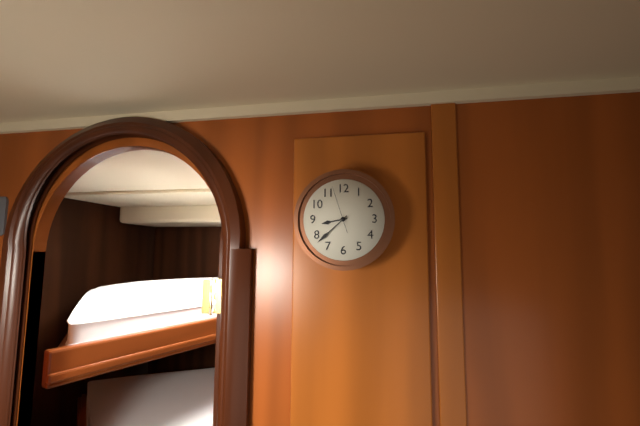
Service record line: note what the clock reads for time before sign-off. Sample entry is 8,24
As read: 8,38
